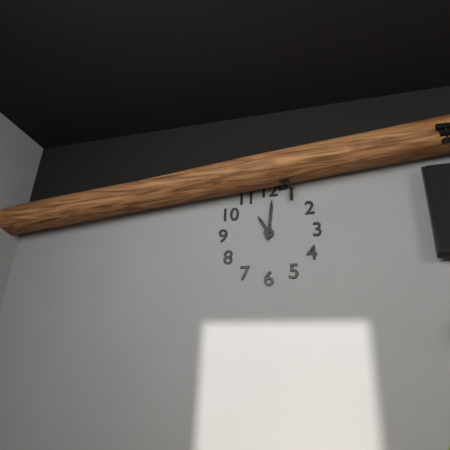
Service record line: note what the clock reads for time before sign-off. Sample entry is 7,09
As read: 11,01
